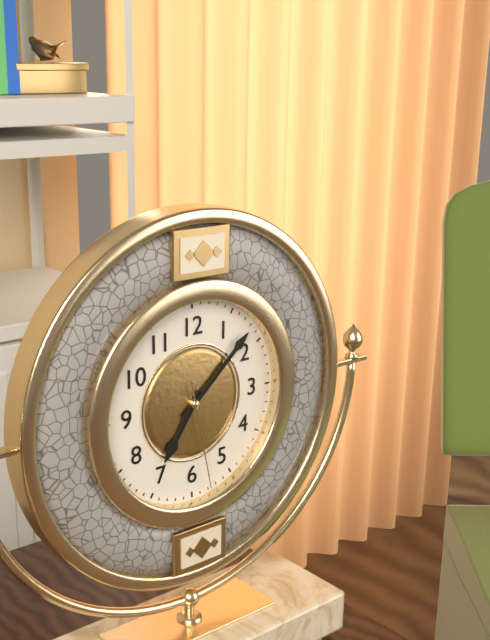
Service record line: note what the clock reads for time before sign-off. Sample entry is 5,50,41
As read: 7,08,28
